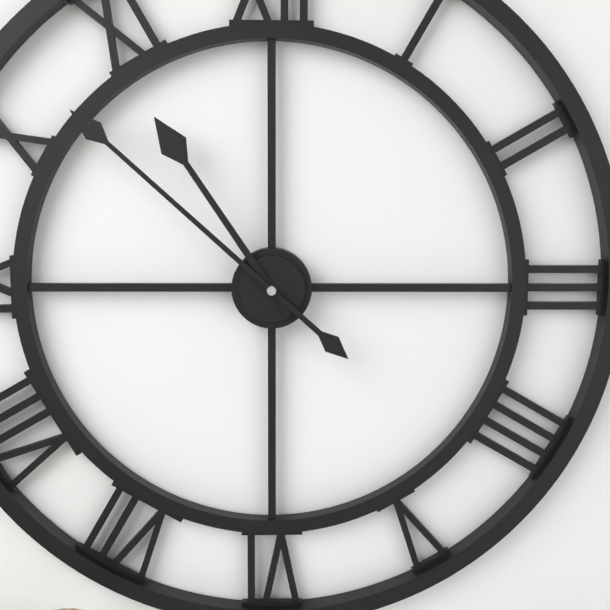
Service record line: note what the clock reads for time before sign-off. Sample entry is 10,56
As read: 10,52
